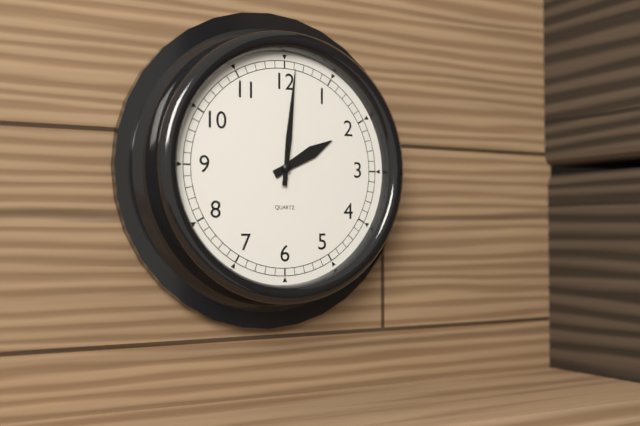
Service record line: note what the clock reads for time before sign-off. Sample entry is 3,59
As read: 2,01
